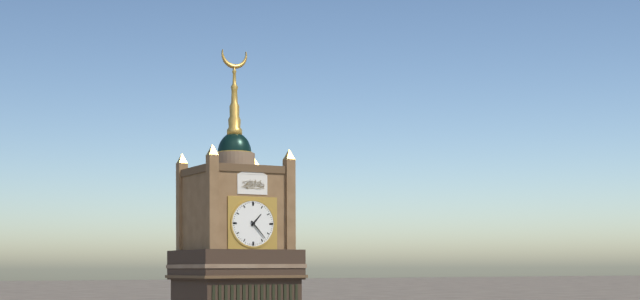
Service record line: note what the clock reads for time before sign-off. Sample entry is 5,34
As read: 1,23
